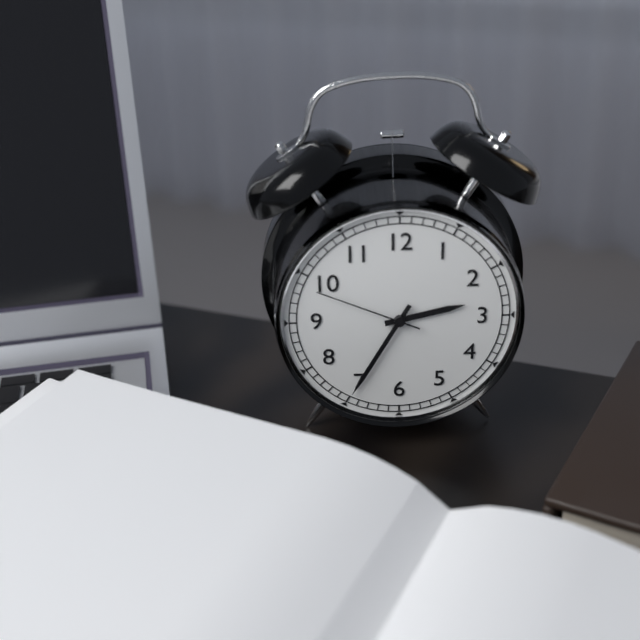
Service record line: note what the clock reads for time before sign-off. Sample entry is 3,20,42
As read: 2,35,49
